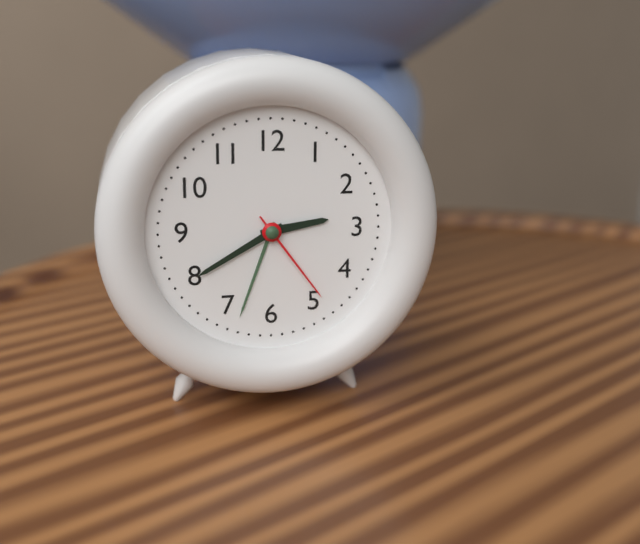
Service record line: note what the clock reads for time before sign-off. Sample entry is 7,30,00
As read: 2,40,24
